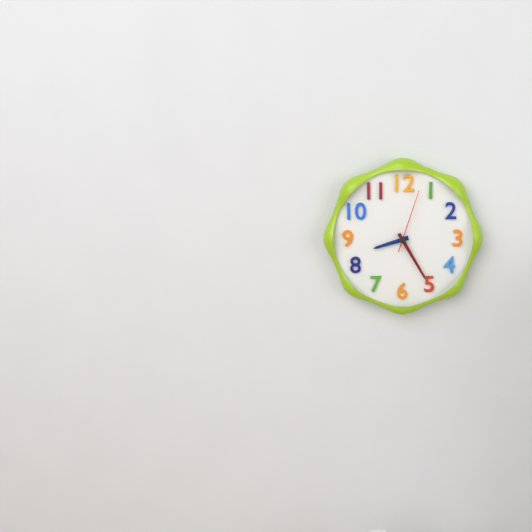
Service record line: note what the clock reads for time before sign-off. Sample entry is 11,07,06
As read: 8,25,03
